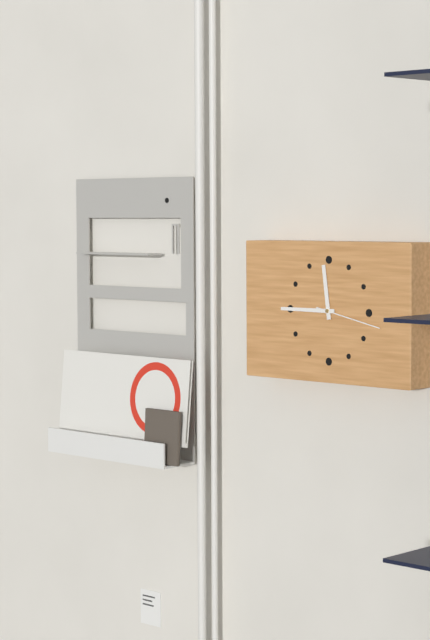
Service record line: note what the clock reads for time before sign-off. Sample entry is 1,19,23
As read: 11,45,17
